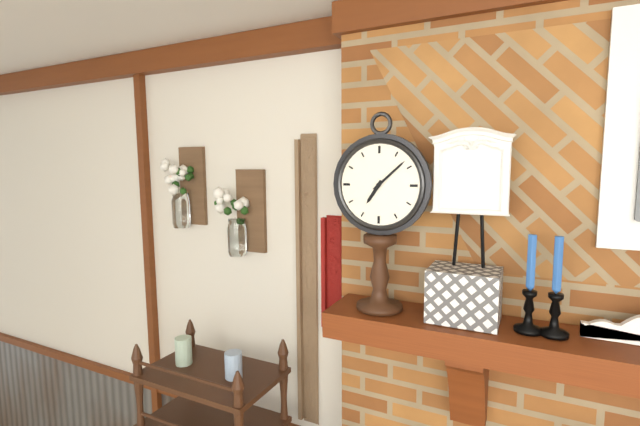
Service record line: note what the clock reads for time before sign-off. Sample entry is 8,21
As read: 7,08
